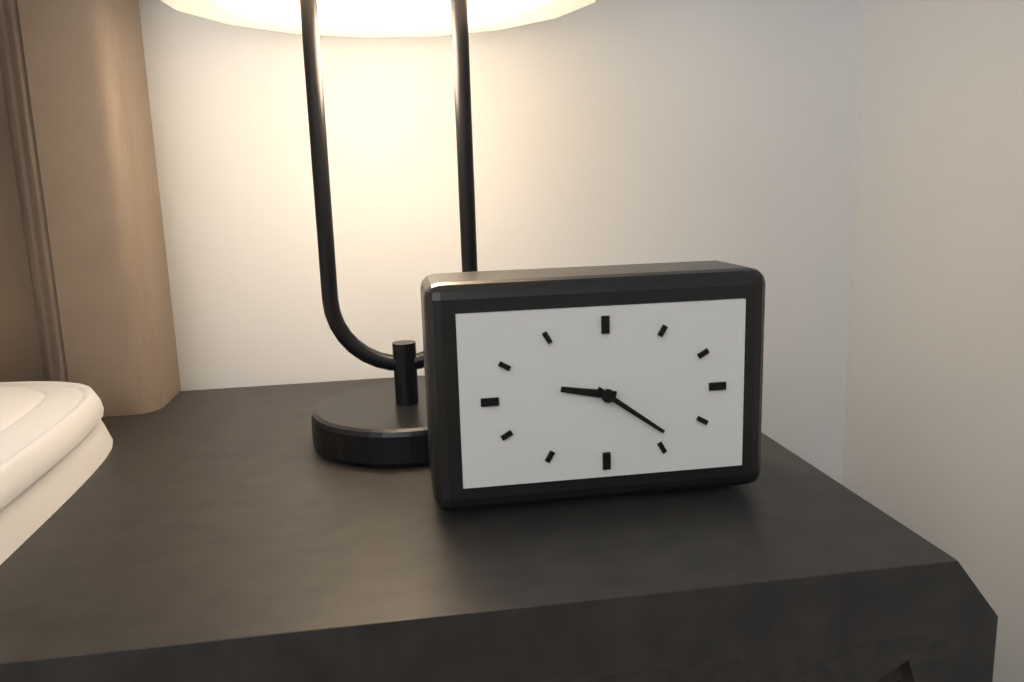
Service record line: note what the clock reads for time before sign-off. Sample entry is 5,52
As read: 9,21
